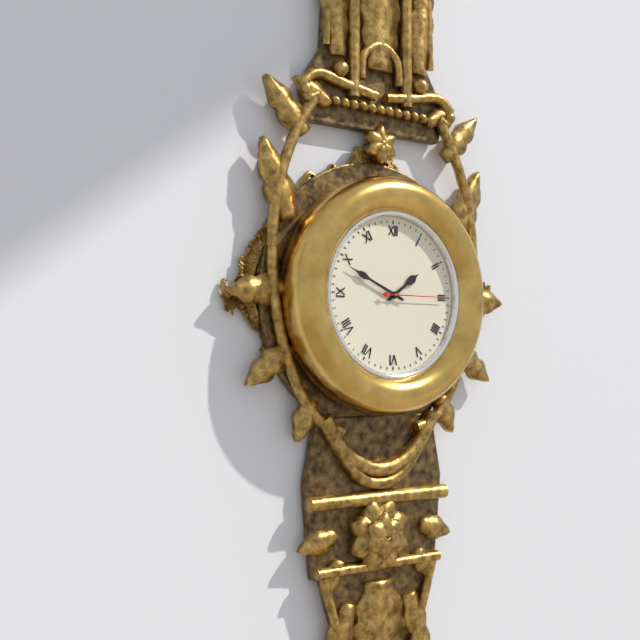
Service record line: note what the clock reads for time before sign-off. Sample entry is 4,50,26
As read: 1,49,15
